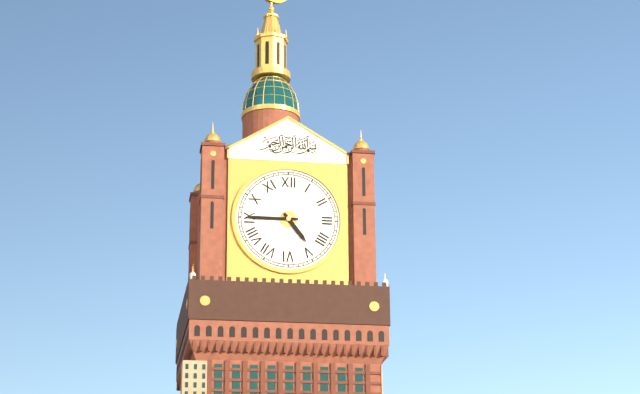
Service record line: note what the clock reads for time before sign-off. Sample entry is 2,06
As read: 4,45
